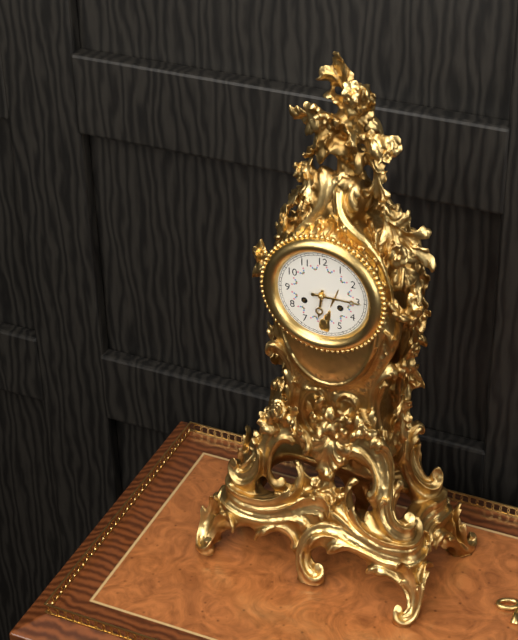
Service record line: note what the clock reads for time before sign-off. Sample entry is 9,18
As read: 6,15
